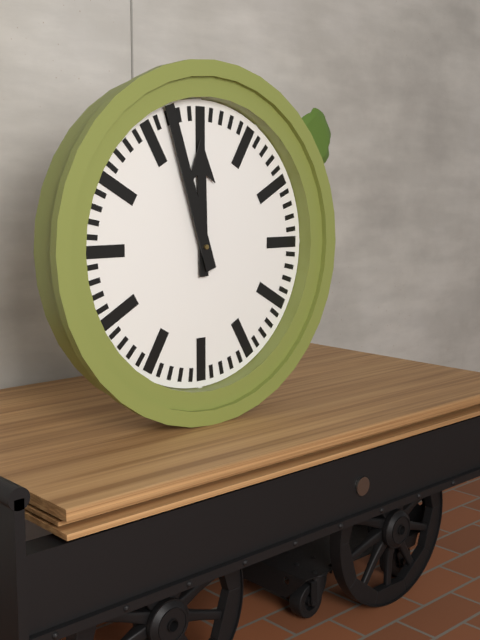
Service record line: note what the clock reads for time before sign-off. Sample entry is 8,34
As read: 11,57
